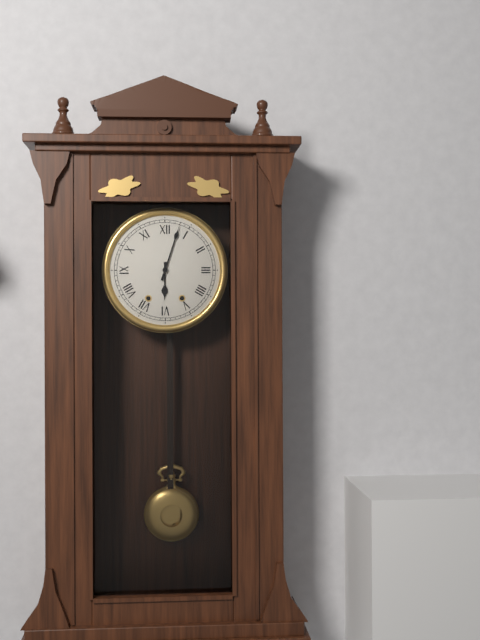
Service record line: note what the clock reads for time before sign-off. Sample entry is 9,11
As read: 6,03
